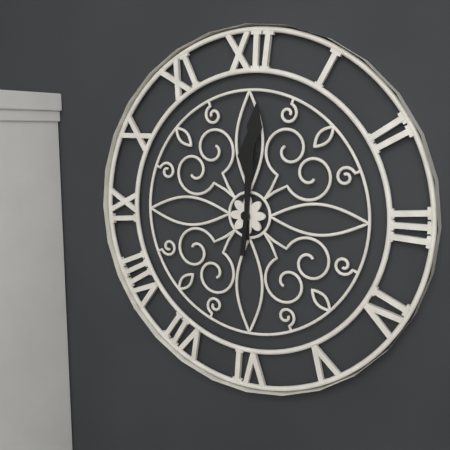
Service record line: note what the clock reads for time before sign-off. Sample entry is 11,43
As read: 12,01
